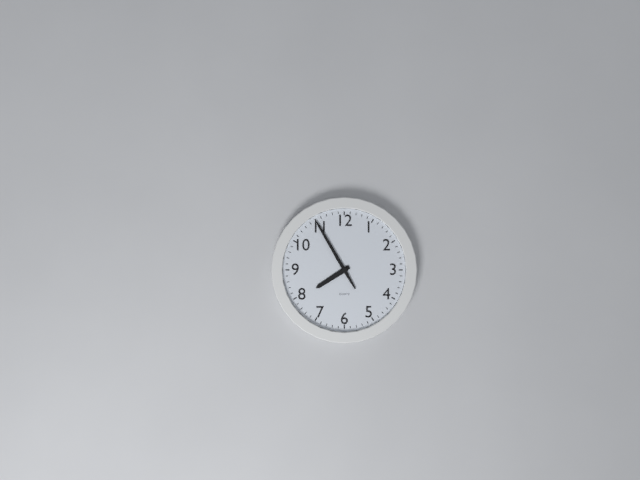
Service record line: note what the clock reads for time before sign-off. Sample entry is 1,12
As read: 7,55
